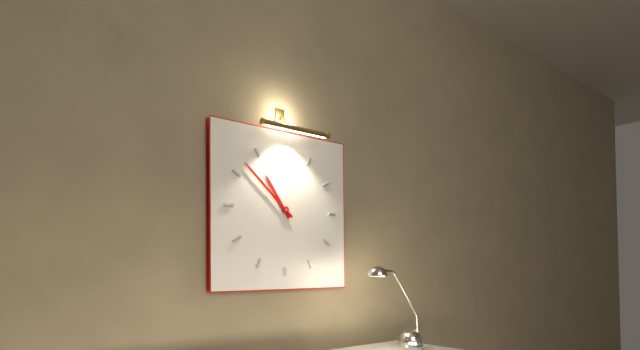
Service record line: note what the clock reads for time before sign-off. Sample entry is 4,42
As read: 10,52
